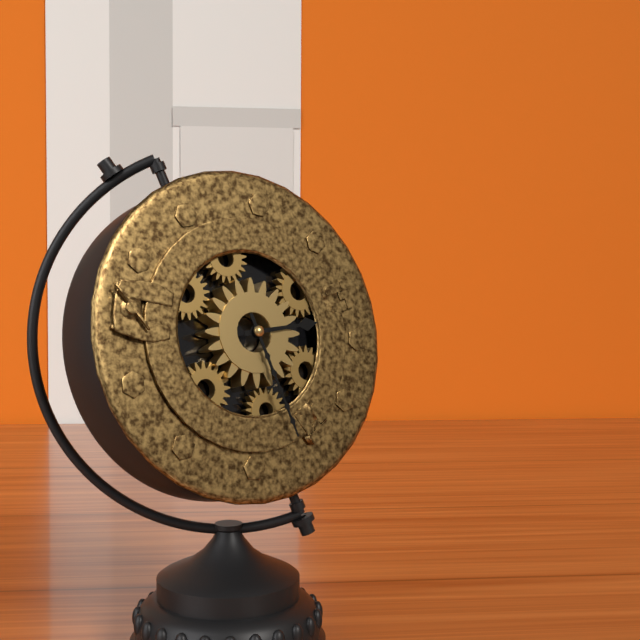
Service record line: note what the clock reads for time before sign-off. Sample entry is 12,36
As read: 2,25
